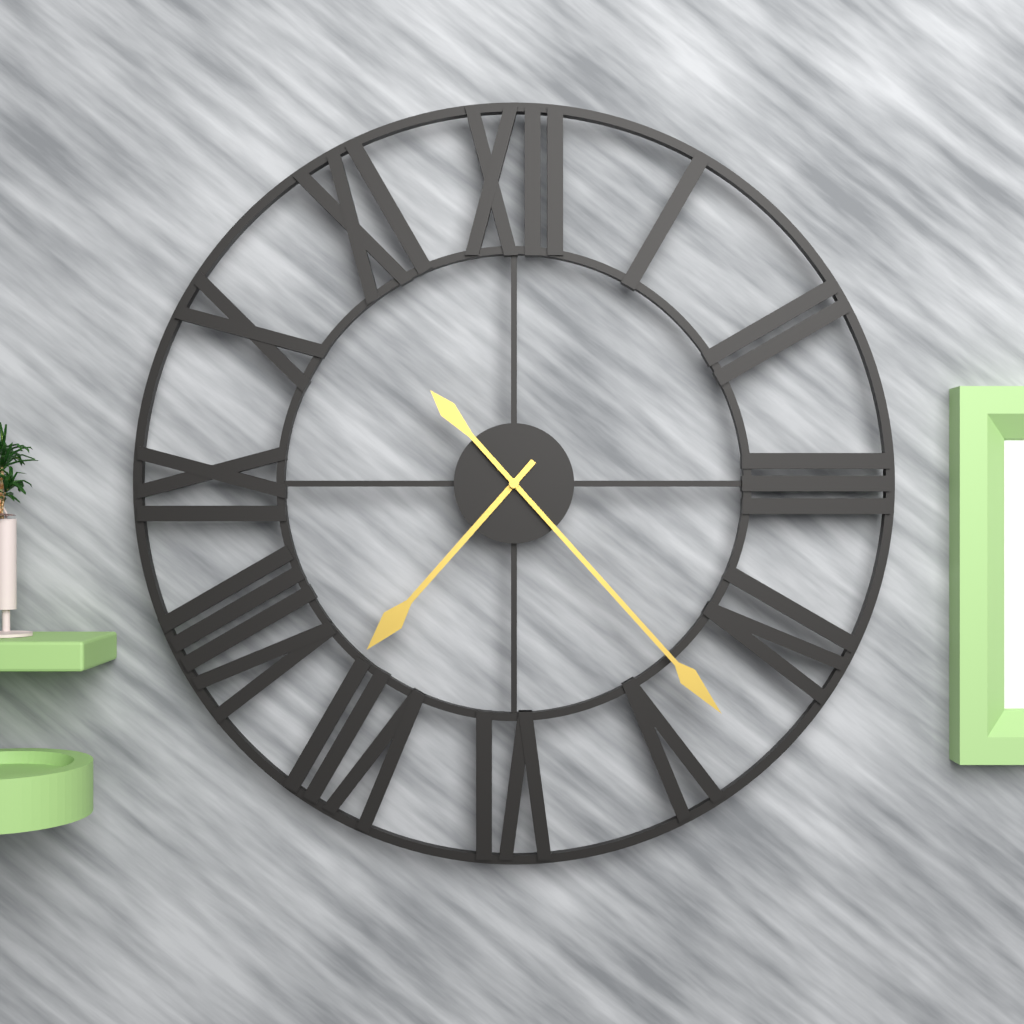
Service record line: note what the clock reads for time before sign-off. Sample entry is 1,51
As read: 7,23
